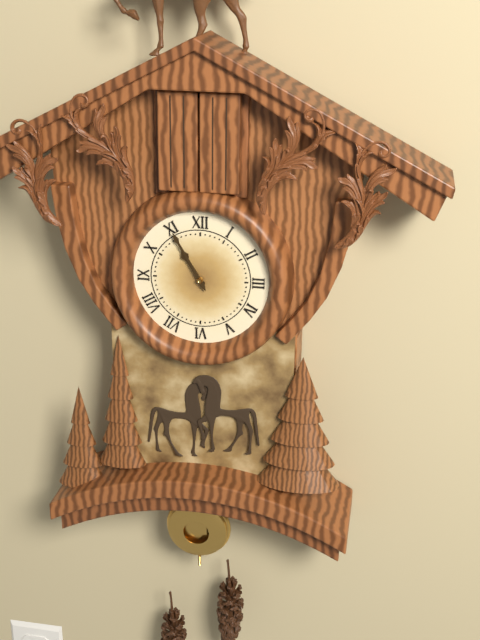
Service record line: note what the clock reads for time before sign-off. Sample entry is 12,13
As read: 10,55
